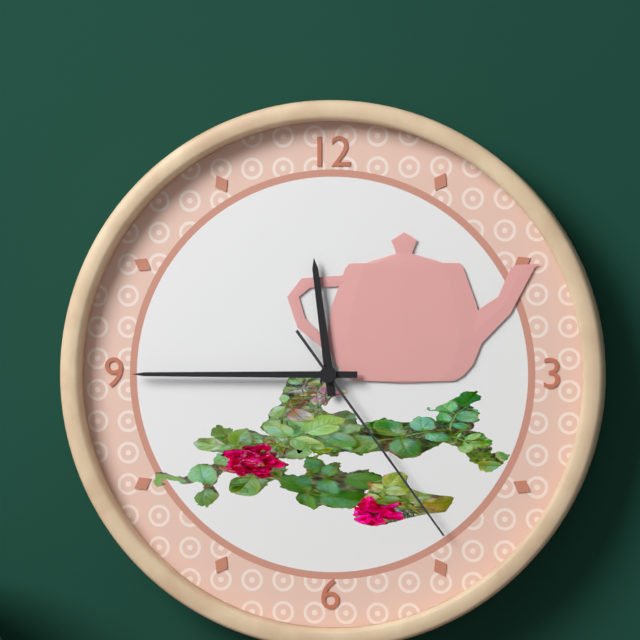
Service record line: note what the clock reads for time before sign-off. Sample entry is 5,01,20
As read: 11,45,24
